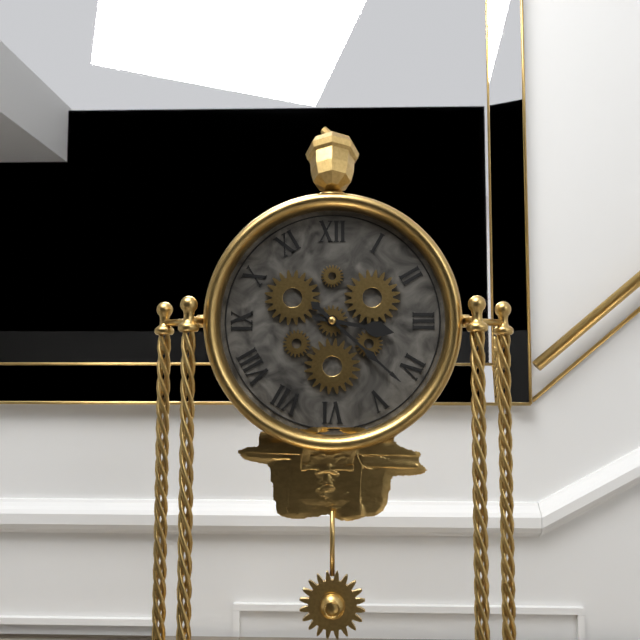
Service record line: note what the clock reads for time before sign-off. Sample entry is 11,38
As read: 3,22
